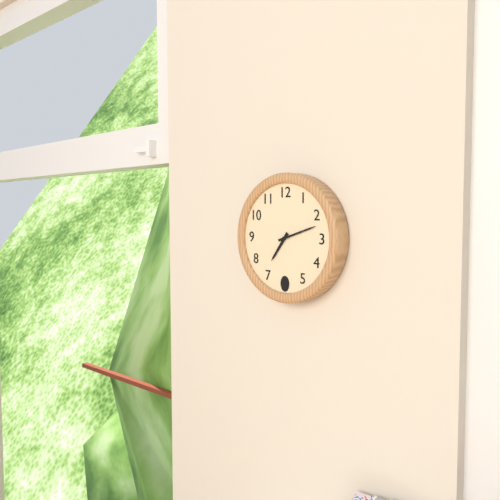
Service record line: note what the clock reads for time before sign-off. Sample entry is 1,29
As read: 7,12
